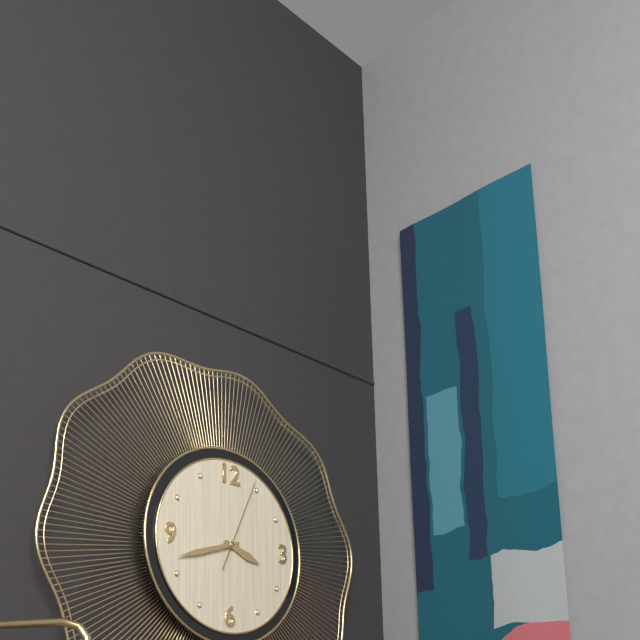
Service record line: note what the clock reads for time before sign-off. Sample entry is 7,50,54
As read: 3,42,04
